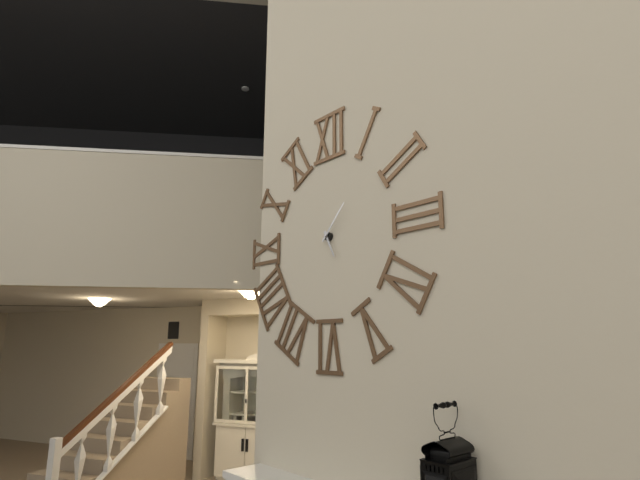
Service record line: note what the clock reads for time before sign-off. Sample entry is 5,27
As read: 5,07
